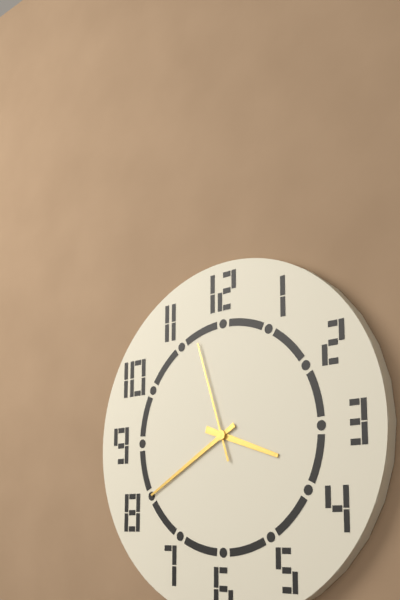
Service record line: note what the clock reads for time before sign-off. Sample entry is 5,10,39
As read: 3,40,57
